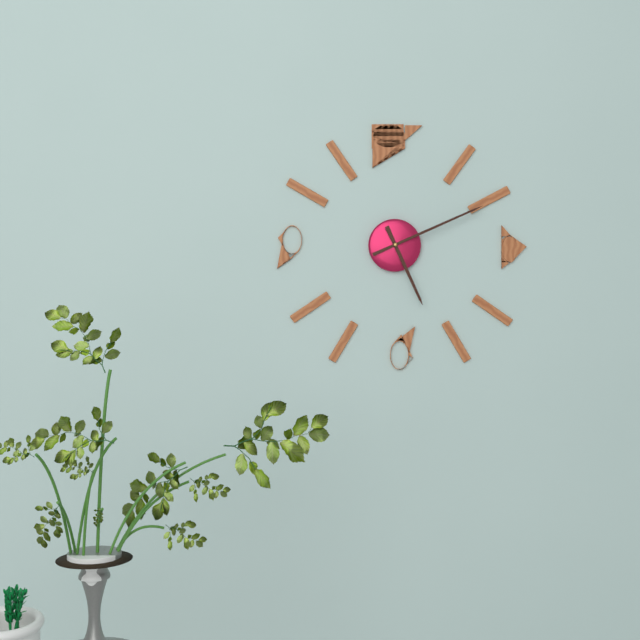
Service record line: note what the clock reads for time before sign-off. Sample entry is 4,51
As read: 5,11
